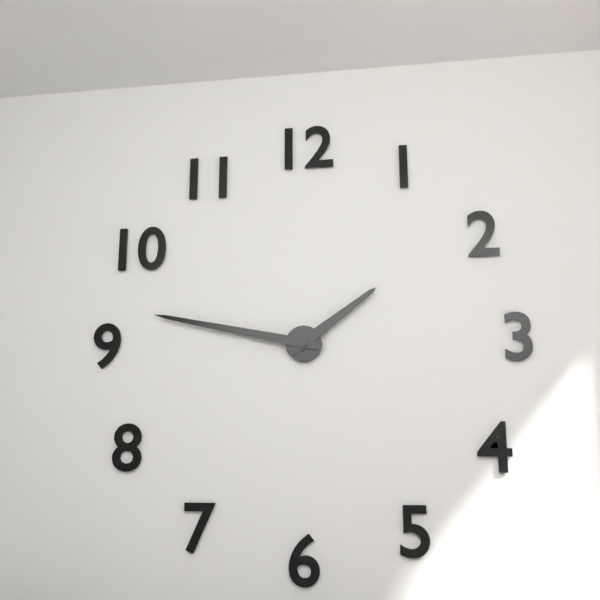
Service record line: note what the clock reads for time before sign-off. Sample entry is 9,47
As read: 1,47
